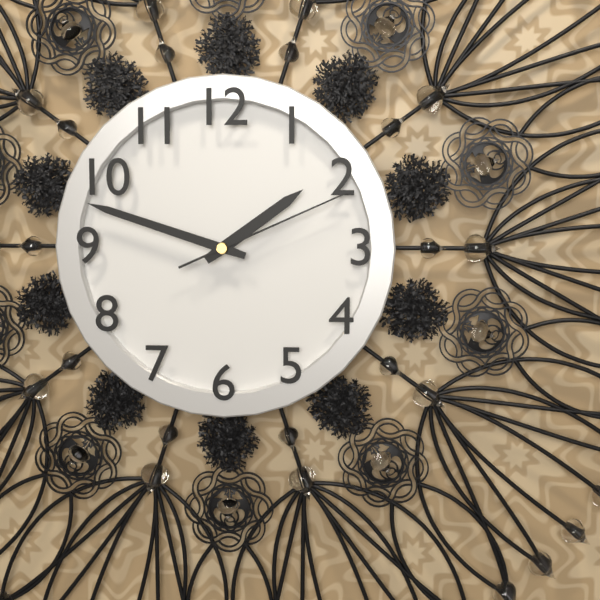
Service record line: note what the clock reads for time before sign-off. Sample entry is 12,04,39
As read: 1,48,11
